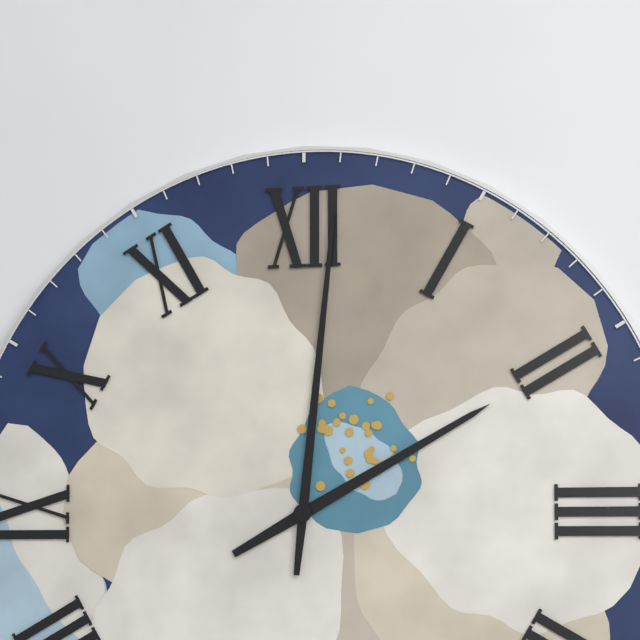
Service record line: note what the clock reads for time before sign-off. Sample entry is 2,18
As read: 2,01
